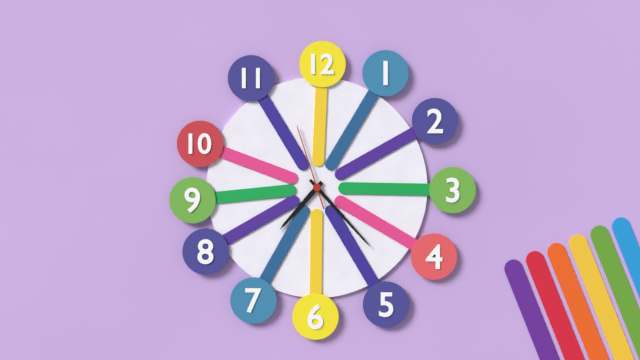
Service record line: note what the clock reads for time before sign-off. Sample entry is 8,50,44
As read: 7,23,57
